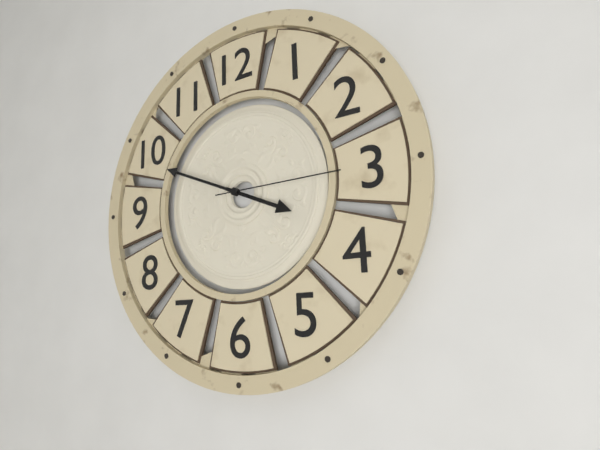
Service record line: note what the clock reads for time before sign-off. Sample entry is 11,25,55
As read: 3,49,15
